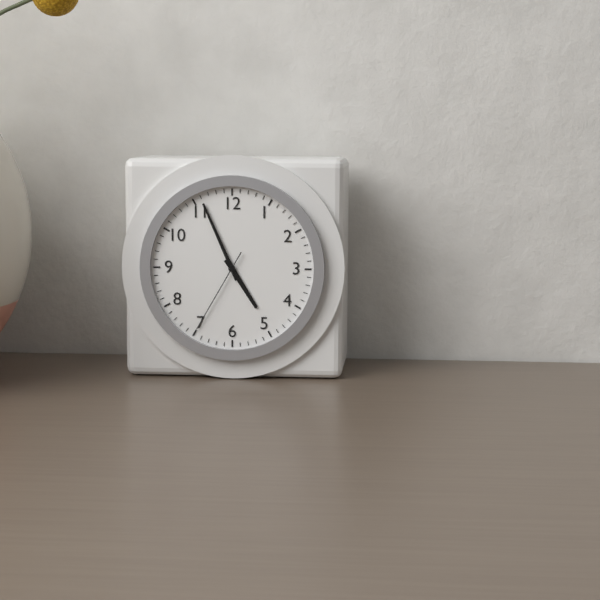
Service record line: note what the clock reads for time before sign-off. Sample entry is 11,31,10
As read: 4,56,35
